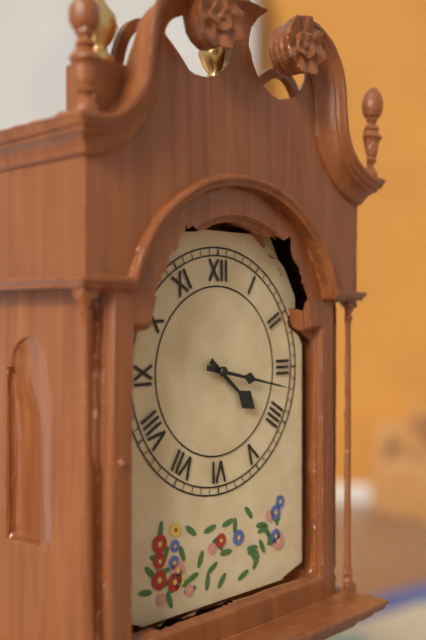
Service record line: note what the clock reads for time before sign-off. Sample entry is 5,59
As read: 4,17
